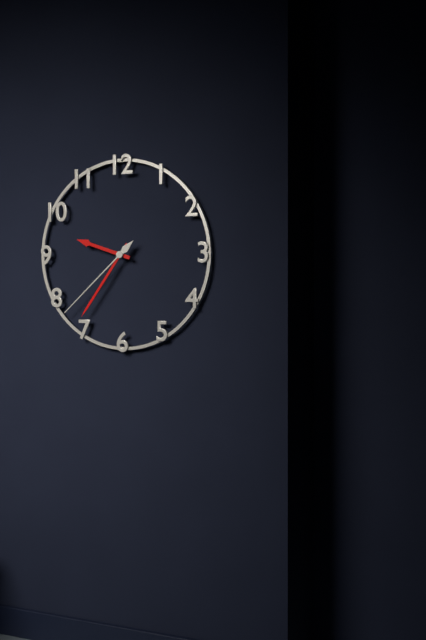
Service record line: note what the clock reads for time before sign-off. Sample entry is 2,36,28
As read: 9,36,38
